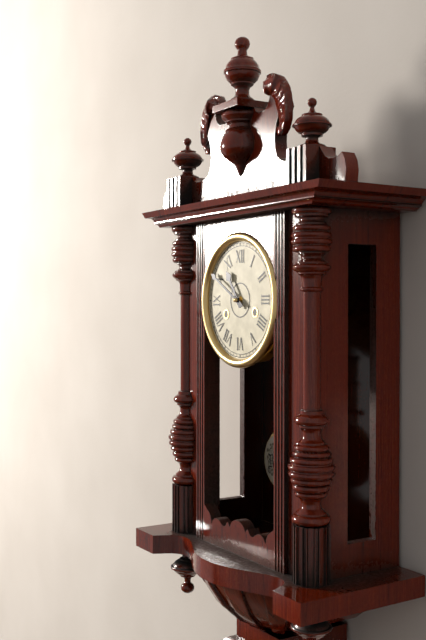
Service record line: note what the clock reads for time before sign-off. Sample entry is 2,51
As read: 10,50
